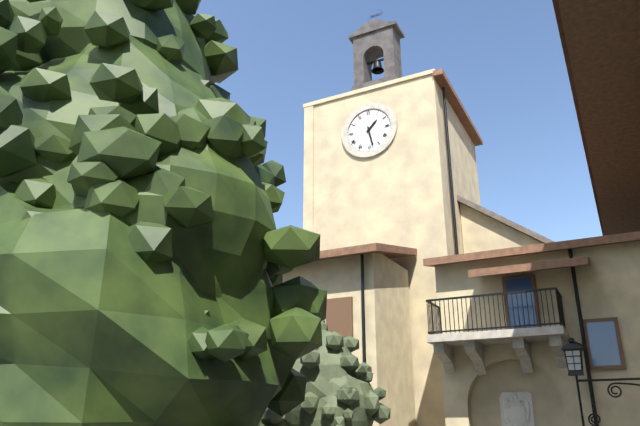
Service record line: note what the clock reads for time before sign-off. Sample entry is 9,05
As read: 1,28
